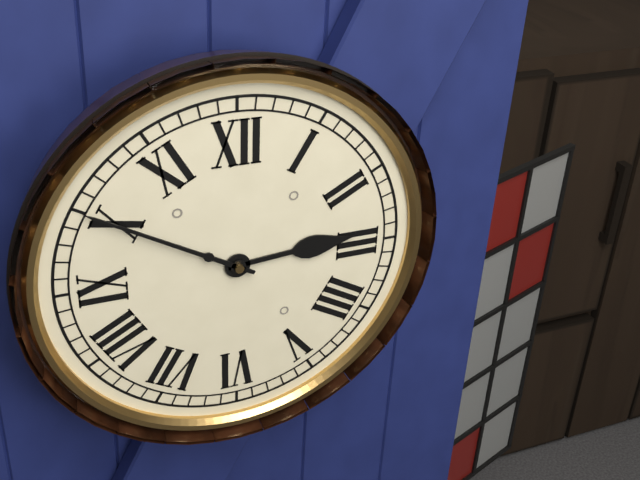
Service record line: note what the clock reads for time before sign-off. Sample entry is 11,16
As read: 2,50
